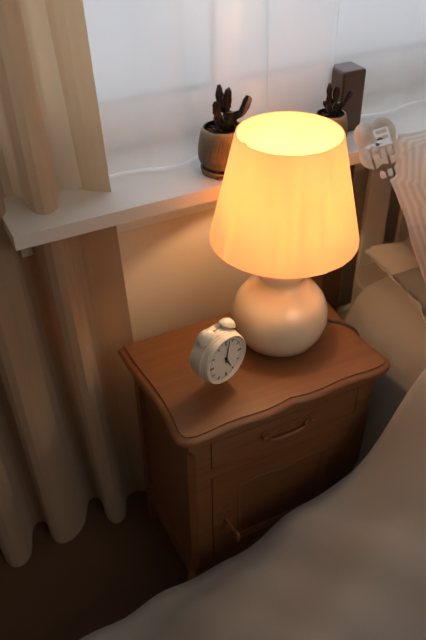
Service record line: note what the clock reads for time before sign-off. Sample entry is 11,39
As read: 5,02
